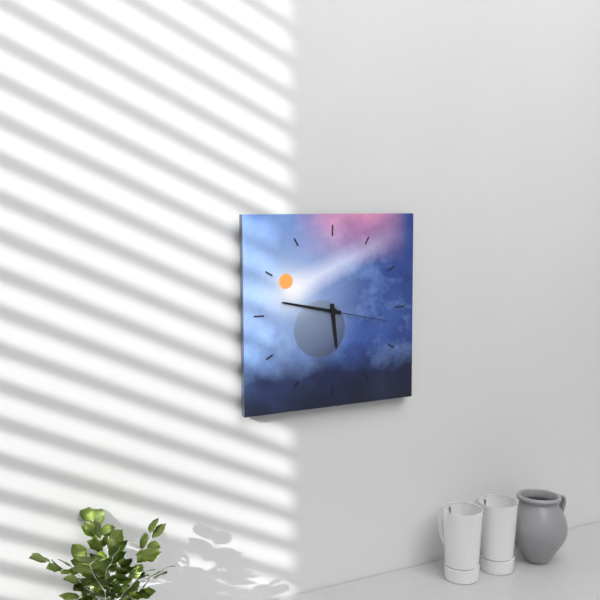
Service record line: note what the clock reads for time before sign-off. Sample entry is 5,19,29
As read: 5,47,17
